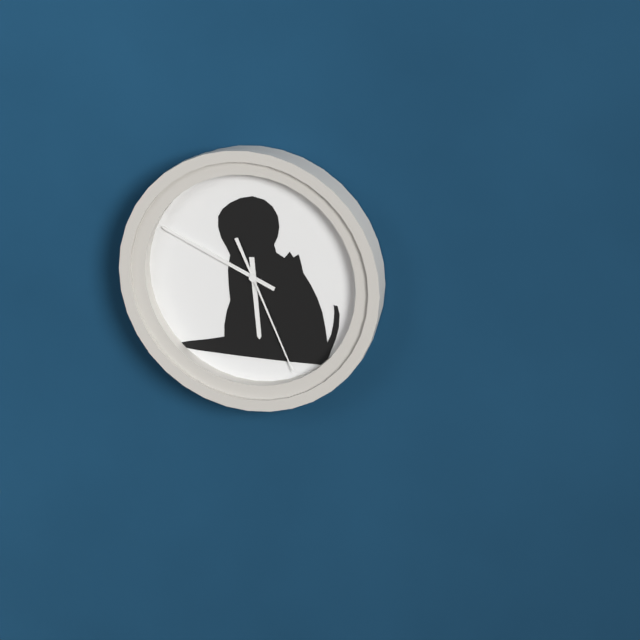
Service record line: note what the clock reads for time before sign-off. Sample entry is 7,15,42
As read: 5,49,26
